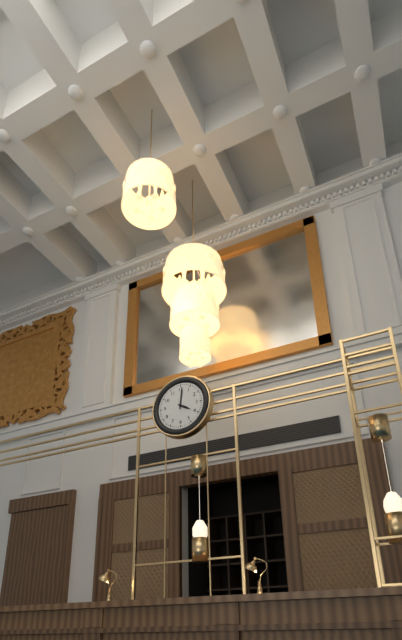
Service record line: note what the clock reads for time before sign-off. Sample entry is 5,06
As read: 4,01
